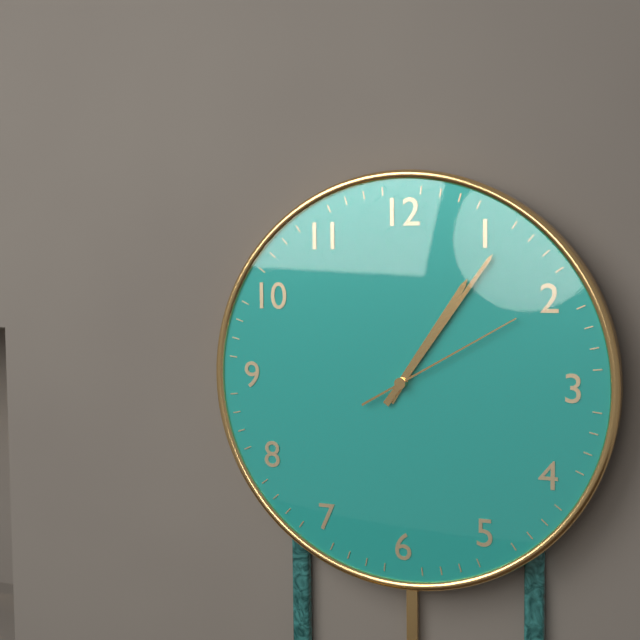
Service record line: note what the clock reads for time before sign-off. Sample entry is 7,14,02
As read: 1,06,10
